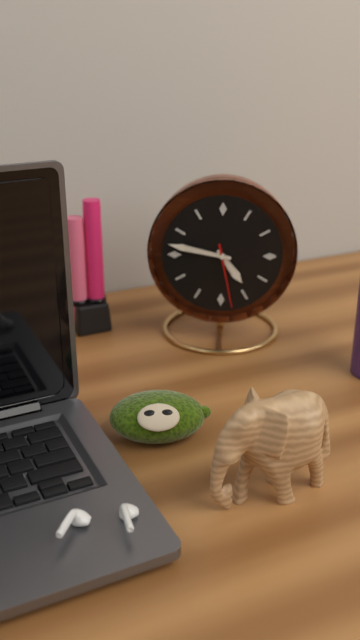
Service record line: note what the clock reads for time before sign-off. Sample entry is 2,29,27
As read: 4,47,28
